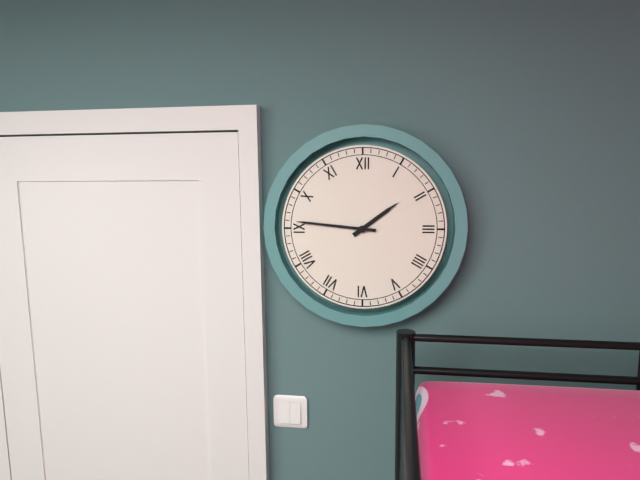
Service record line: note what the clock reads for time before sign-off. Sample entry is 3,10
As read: 1,46
